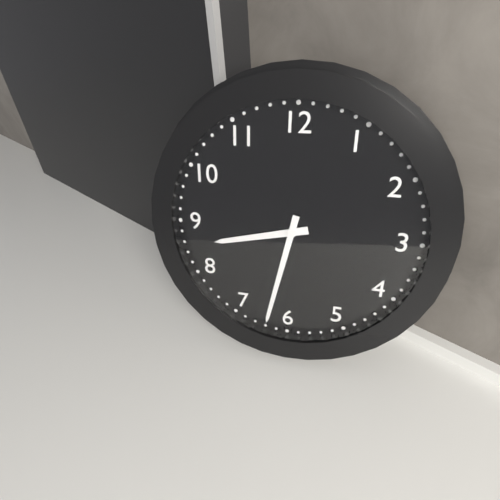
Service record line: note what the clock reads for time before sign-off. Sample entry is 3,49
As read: 8,32
